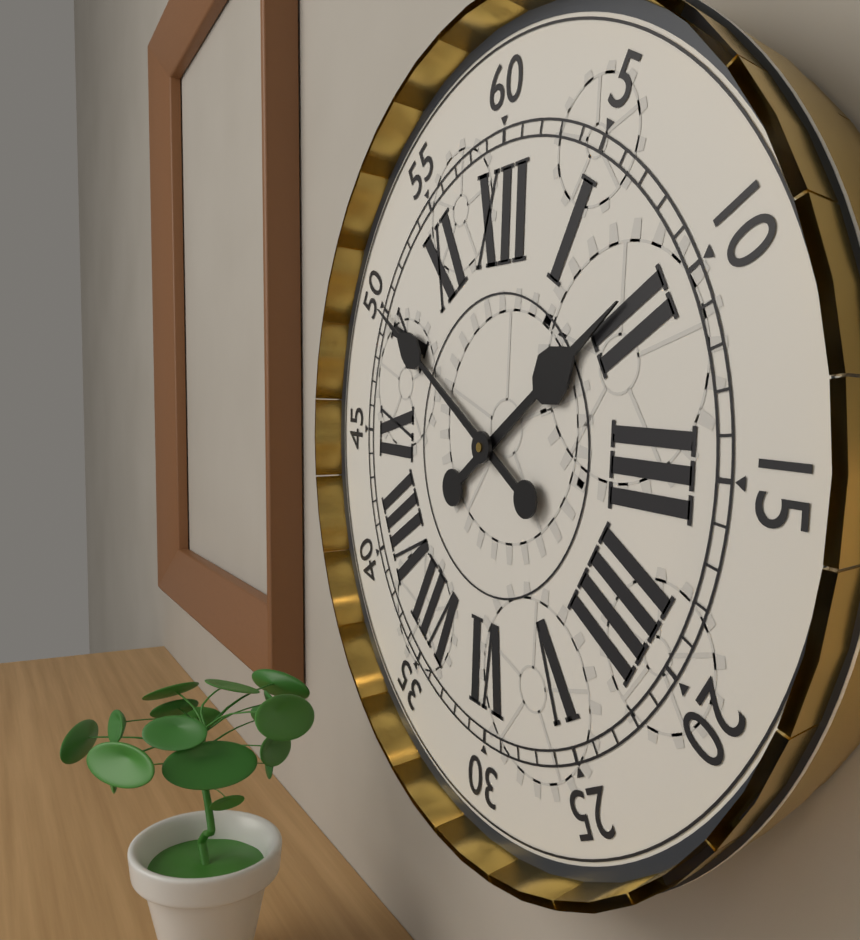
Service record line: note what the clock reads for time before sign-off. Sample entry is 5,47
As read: 1,50
